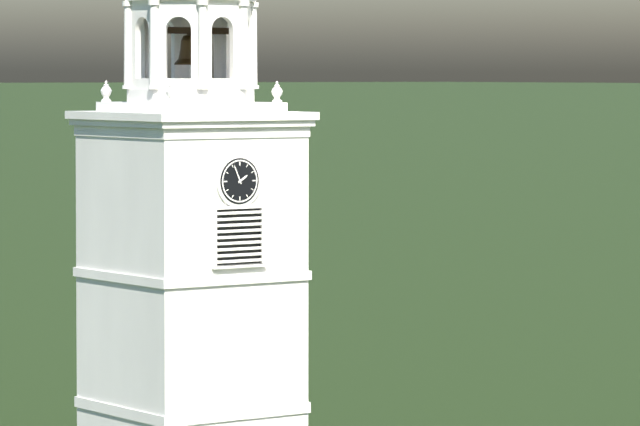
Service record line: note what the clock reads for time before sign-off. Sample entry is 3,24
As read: 1,56
